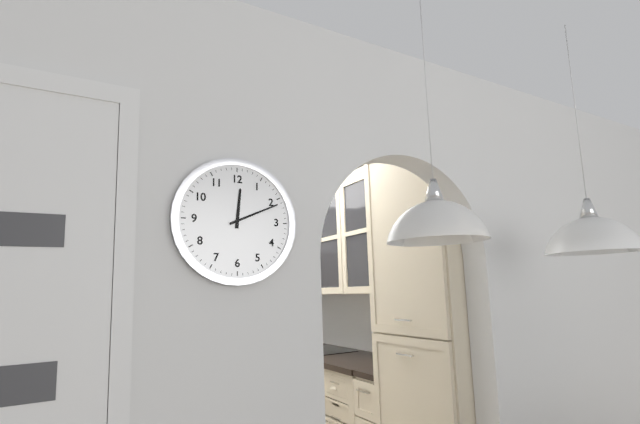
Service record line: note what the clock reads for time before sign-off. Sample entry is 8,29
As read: 12,11
